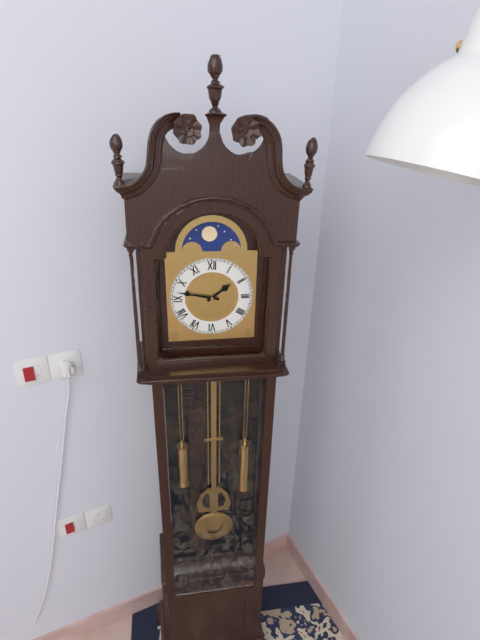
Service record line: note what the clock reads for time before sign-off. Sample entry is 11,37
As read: 1,47
